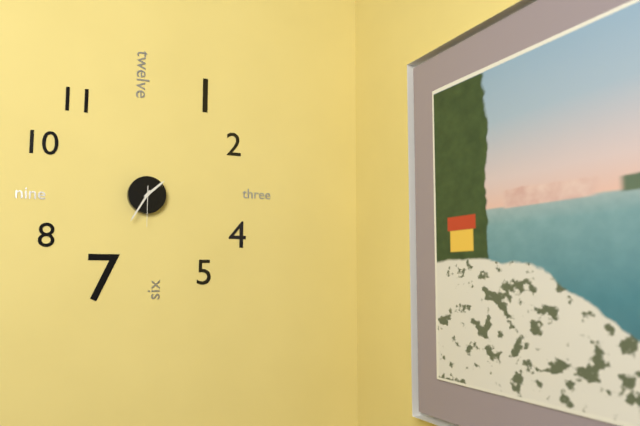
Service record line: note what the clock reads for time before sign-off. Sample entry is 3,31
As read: 1,35
